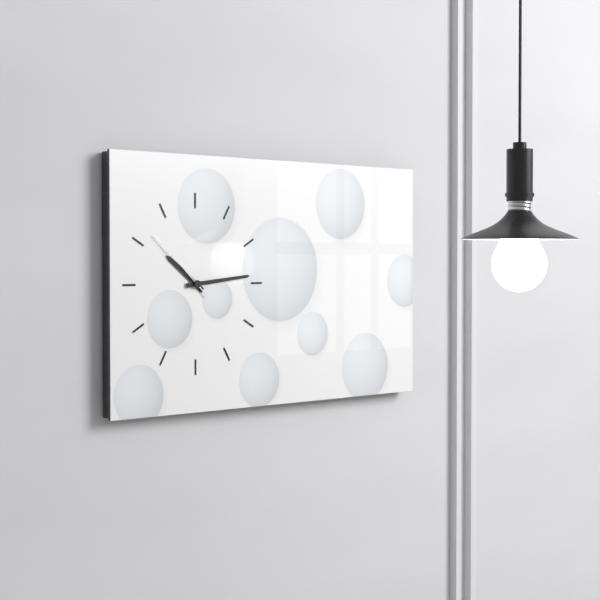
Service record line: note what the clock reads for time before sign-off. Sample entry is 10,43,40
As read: 10,14,52
